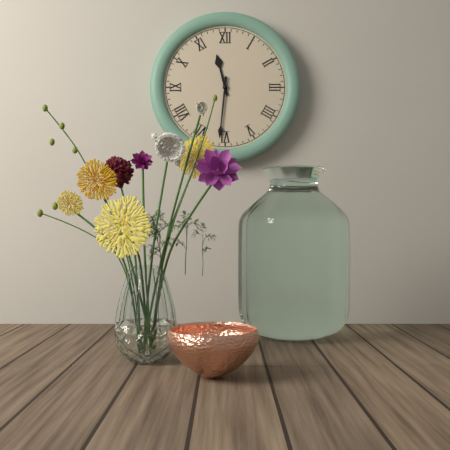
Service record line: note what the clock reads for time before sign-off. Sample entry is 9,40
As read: 11,31
